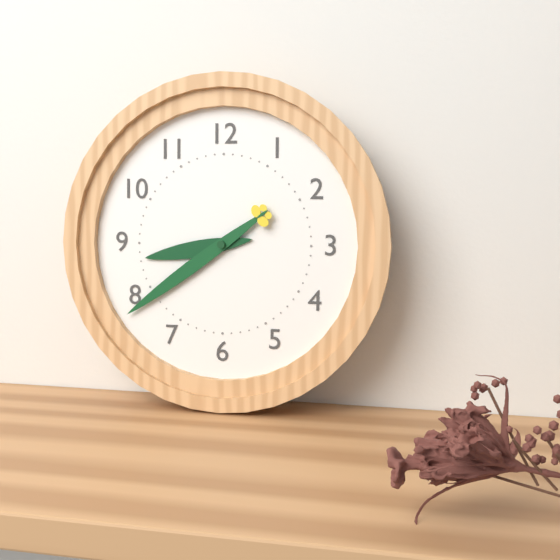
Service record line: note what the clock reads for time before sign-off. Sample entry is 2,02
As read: 8,39
